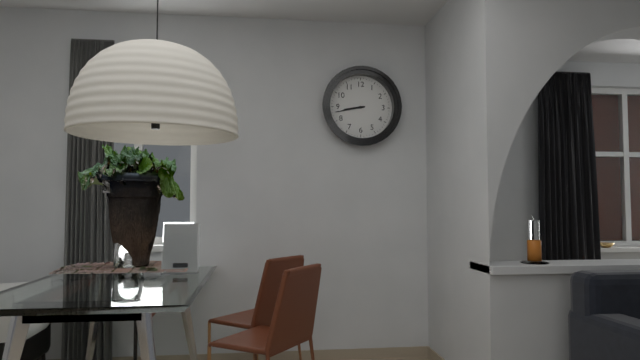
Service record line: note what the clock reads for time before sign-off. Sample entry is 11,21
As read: 8,43
